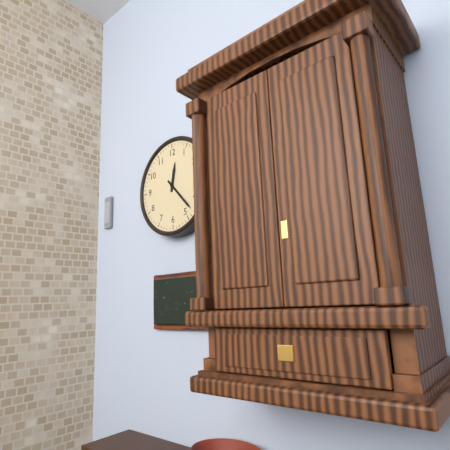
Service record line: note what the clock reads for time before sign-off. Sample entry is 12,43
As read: 12,23
